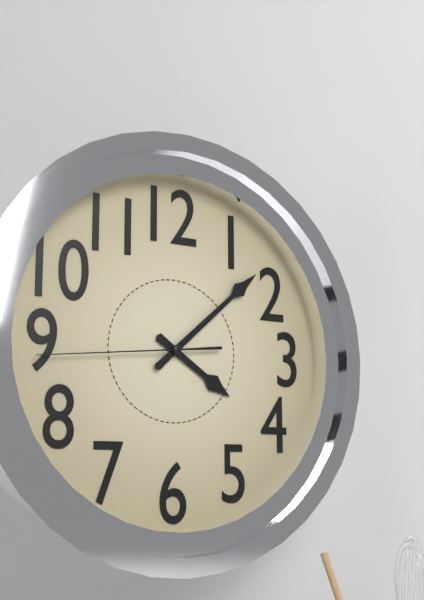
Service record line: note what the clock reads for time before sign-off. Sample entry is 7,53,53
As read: 4,08,44
